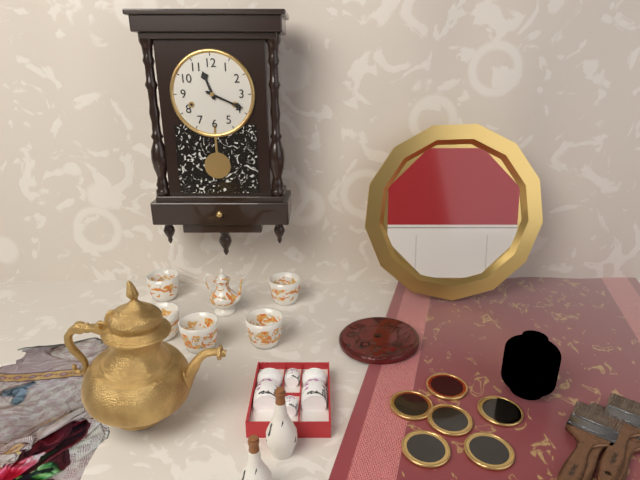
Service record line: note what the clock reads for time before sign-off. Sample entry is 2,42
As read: 11,19
